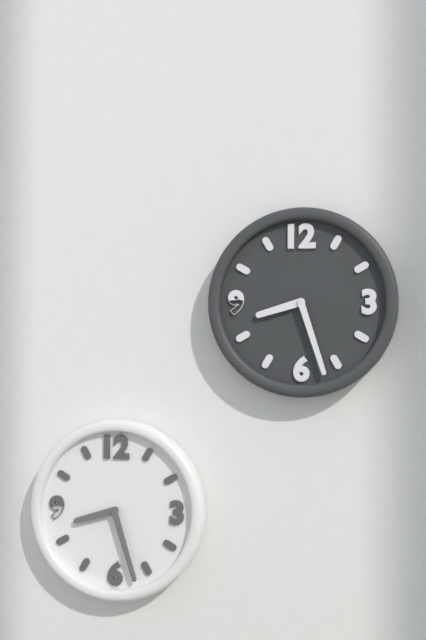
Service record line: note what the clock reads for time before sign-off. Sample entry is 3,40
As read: 8,27
